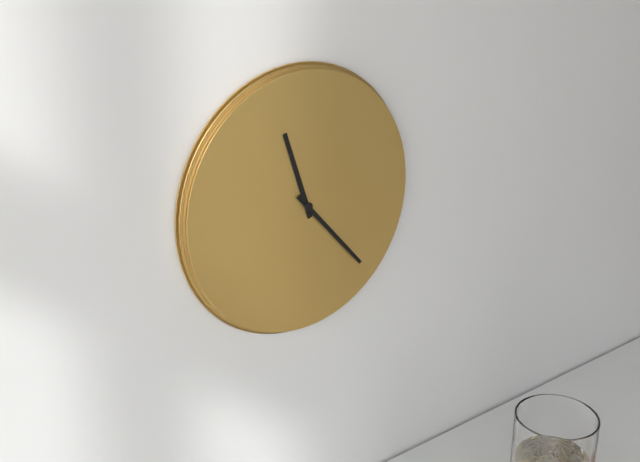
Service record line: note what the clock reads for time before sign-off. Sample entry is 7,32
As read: 11,23
